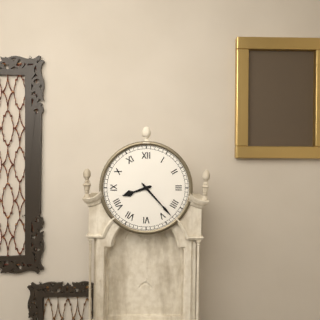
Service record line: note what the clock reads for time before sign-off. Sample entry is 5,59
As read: 8,23
